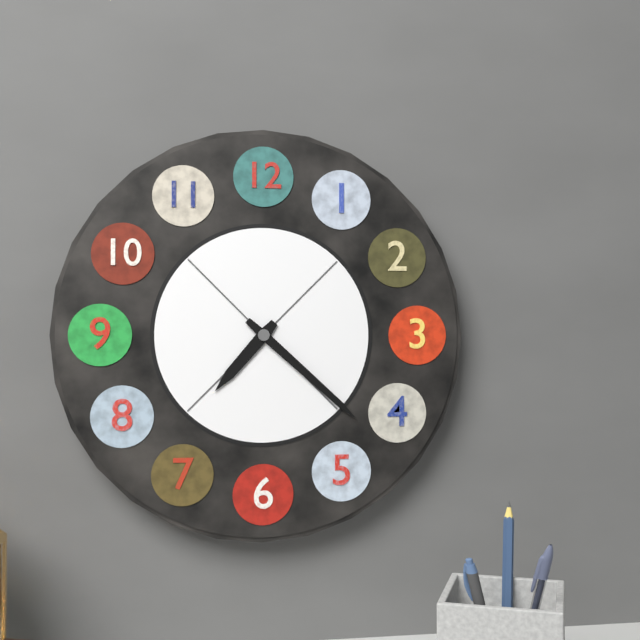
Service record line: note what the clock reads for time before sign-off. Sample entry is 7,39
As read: 7,22
